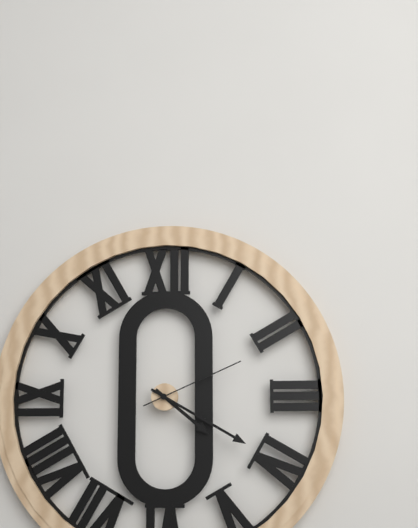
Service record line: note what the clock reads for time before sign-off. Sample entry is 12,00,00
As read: 4,20,11
